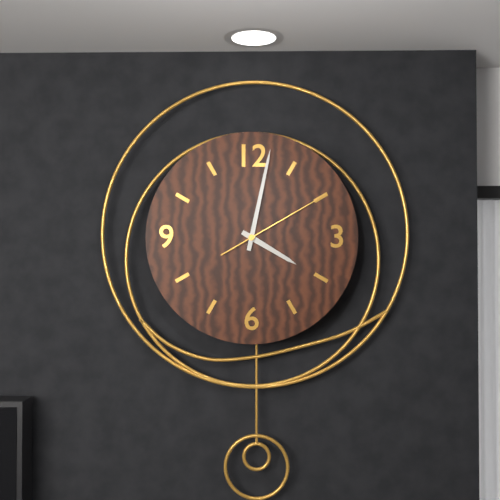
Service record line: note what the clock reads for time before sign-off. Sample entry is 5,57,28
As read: 4,02,10
